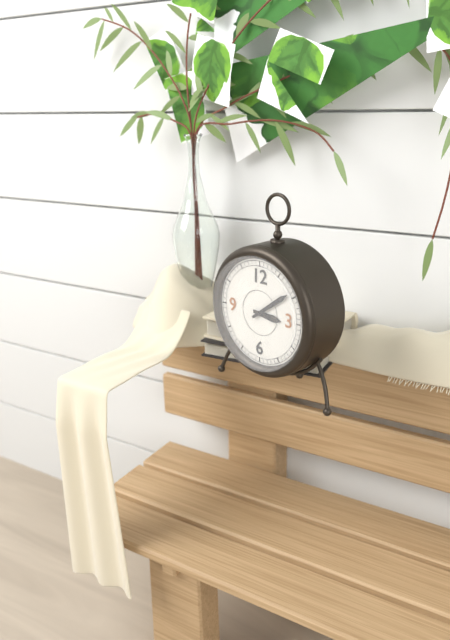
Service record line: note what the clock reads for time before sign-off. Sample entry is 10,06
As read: 3,09
